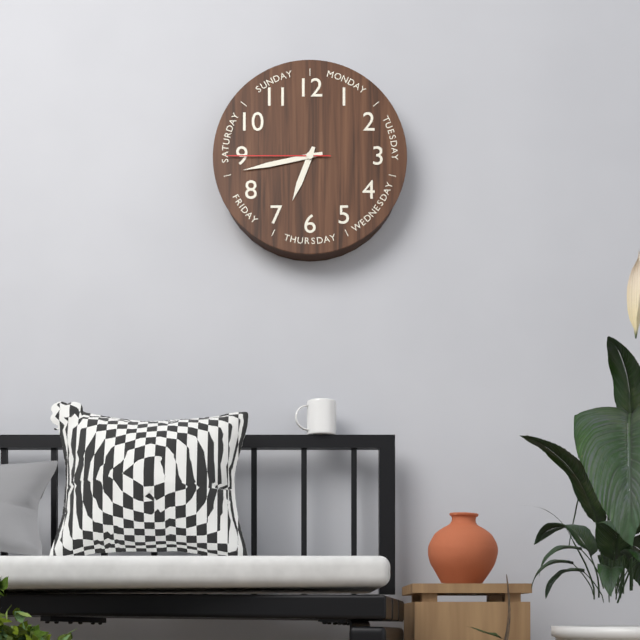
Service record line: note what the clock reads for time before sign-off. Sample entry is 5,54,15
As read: 6,43,45
